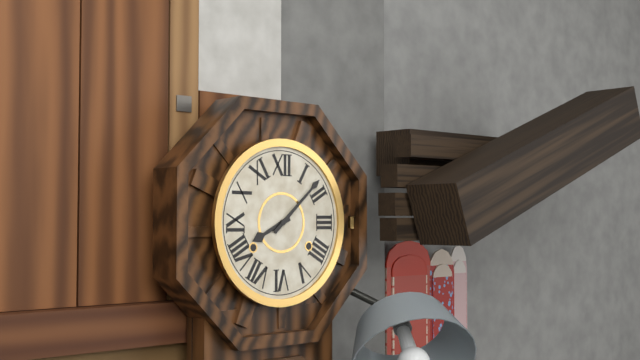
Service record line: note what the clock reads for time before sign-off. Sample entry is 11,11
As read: 8,08
